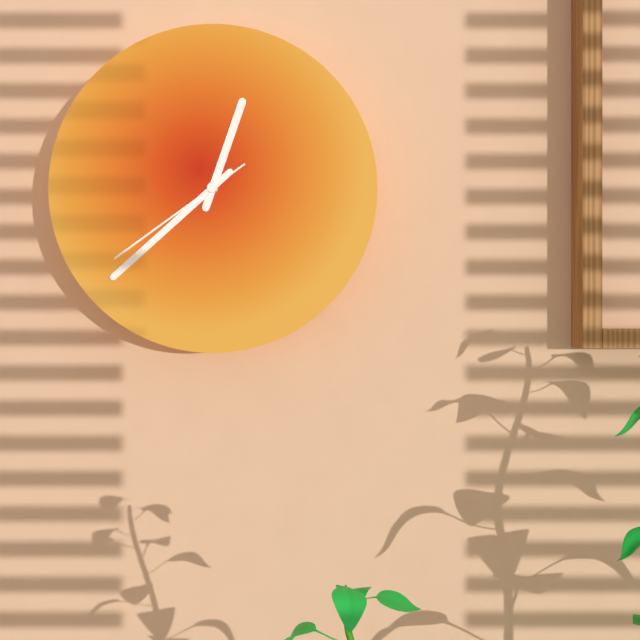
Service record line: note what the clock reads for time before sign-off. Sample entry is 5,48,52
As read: 12,38,39
